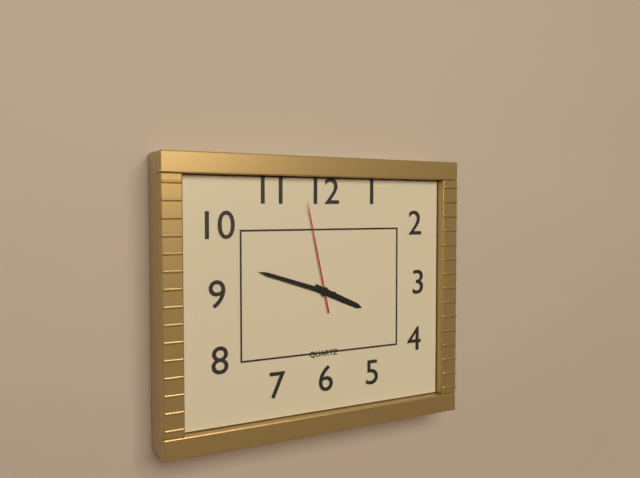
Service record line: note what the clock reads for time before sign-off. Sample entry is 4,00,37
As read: 3,48,58
